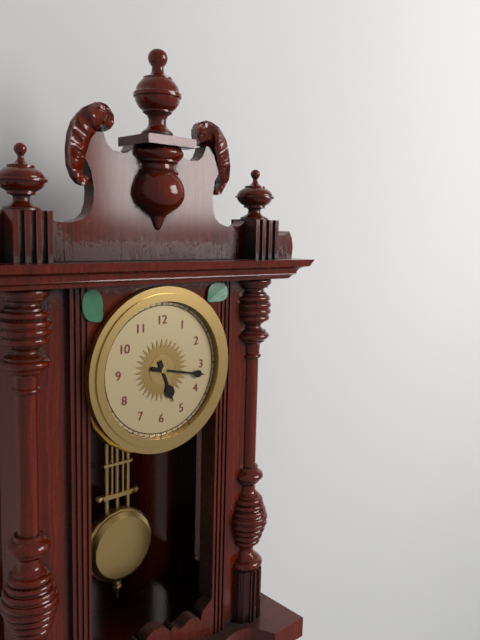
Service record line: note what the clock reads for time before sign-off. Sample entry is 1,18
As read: 5,17
